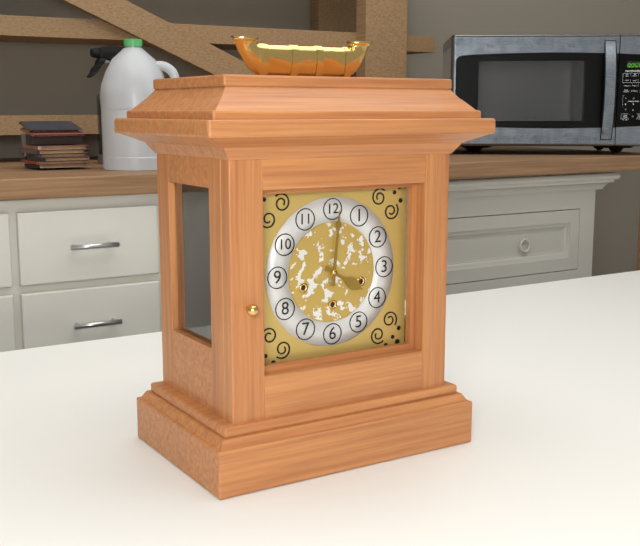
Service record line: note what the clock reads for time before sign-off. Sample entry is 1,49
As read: 4,01
